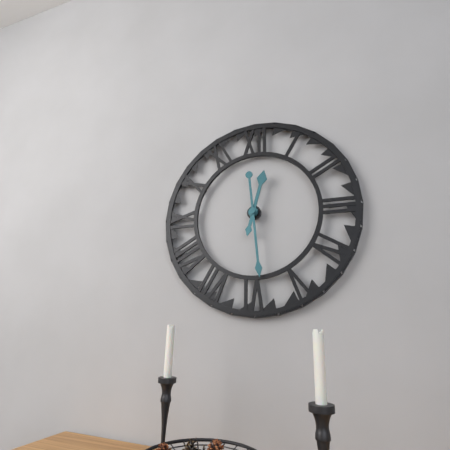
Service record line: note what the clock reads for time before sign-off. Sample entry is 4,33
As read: 12,29
